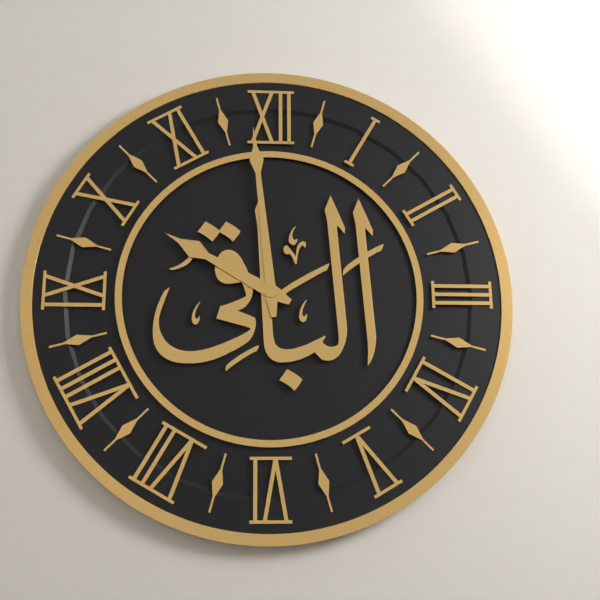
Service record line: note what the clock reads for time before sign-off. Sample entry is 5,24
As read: 9,59
